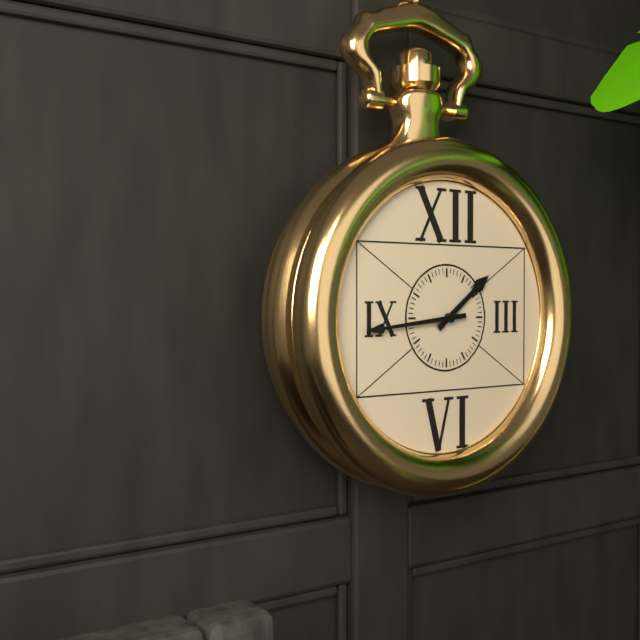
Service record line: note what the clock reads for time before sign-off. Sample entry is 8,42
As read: 1,44
